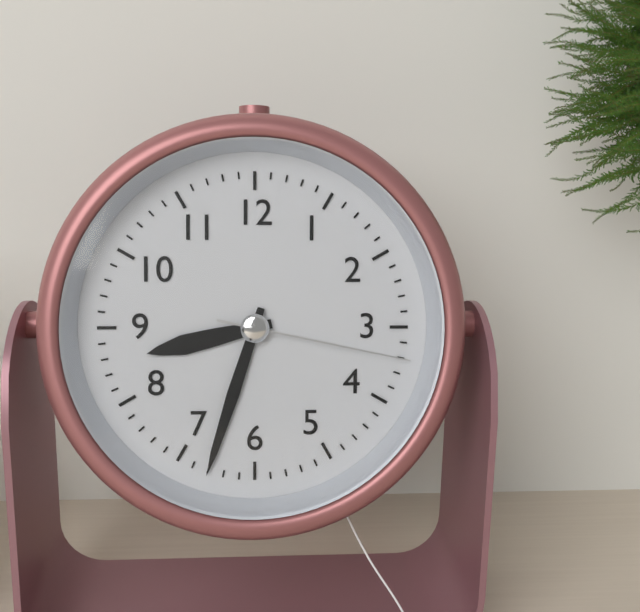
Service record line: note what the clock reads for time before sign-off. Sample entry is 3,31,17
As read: 8,33,17
